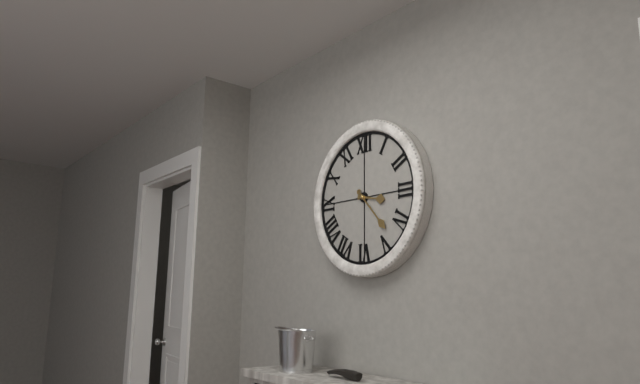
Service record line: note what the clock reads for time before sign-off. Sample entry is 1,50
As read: 3,23
